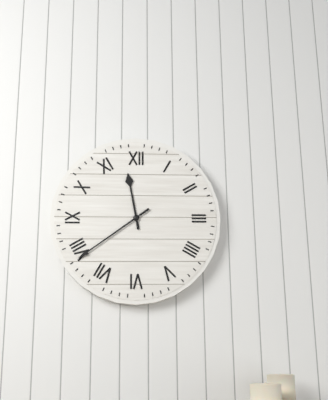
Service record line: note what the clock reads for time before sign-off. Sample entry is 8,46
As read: 11,39
